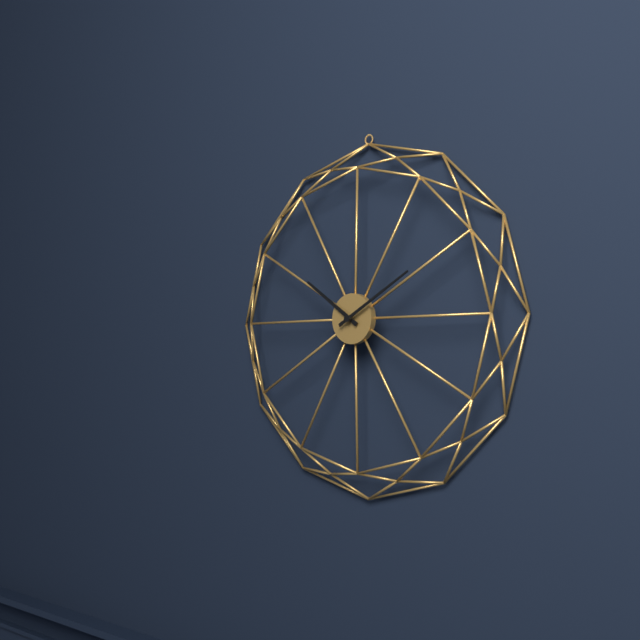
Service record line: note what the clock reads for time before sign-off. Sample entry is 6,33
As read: 10,10
